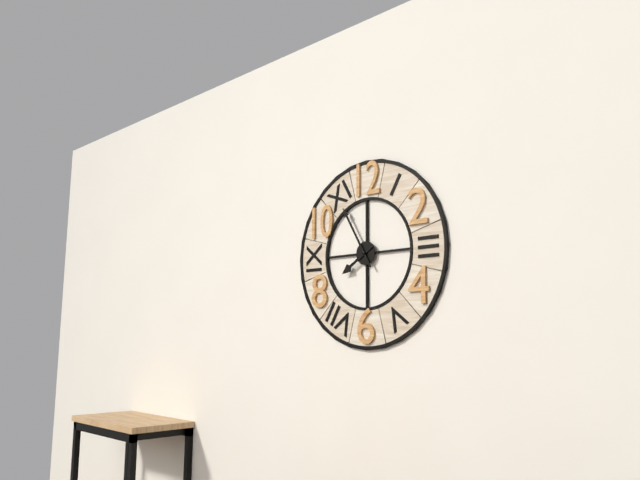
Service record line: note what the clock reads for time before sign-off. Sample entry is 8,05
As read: 7,55
